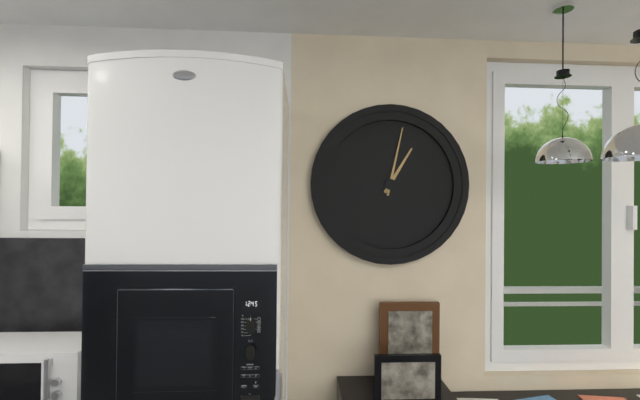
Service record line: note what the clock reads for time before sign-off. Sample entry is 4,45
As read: 1,02
